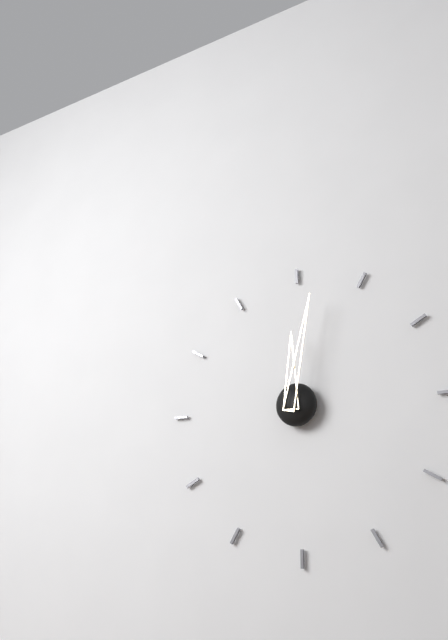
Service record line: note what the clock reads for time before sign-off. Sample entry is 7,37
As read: 12,02
